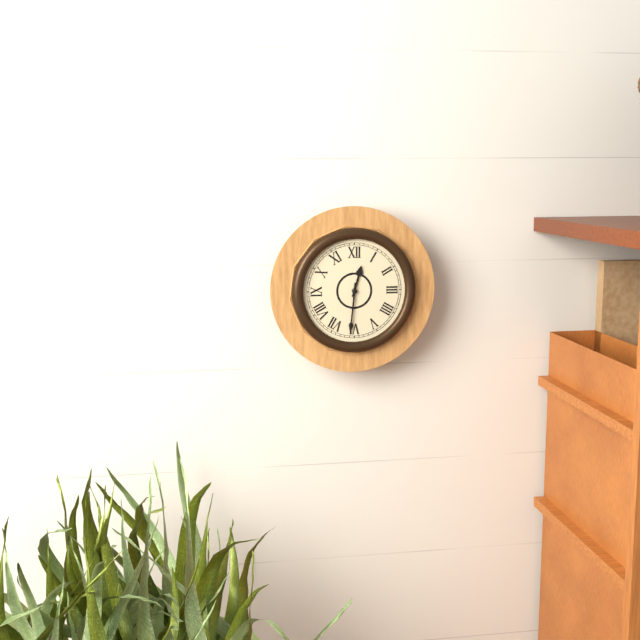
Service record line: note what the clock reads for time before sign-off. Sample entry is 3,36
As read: 12,31
